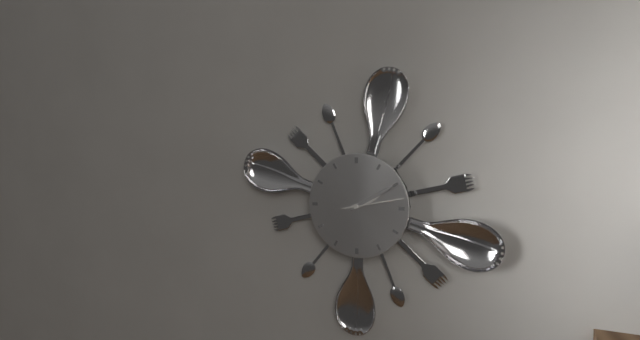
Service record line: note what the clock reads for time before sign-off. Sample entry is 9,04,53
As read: 2,10,13
